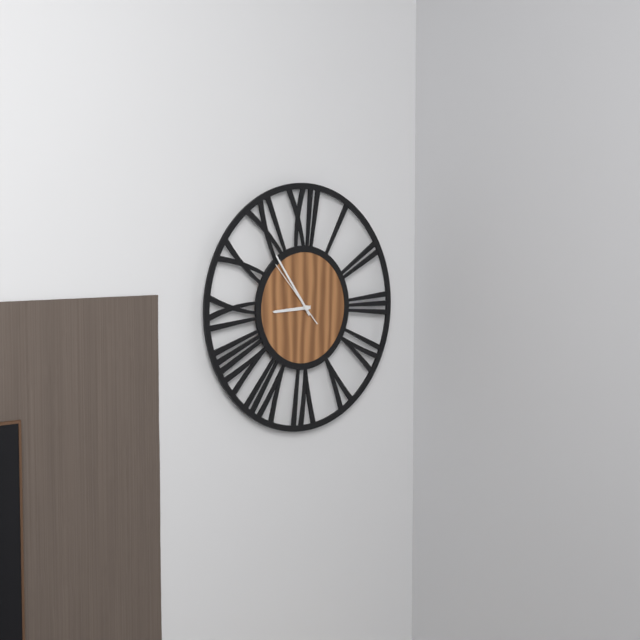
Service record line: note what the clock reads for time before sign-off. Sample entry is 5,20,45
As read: 8,54,53
